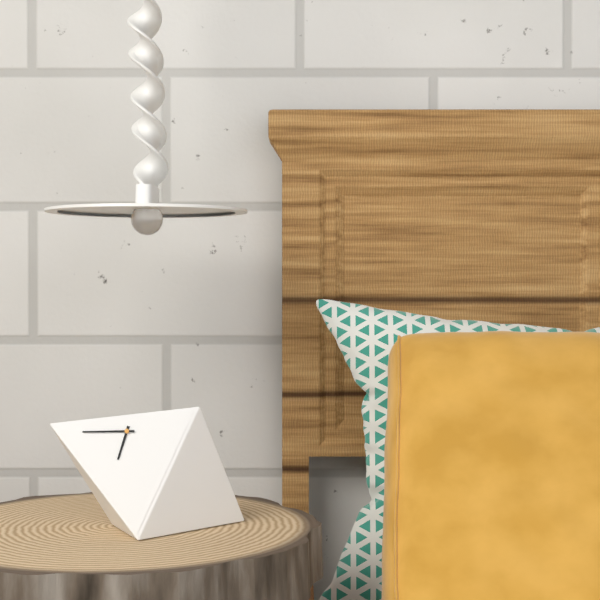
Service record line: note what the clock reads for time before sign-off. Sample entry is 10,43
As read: 6,46
